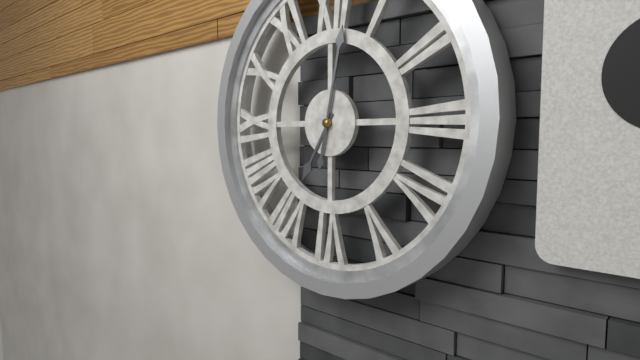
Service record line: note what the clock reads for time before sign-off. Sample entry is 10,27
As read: 7,02
